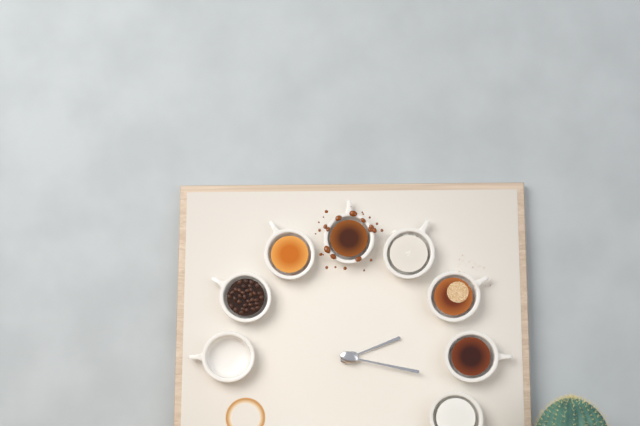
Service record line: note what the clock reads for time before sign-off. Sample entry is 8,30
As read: 2,17
